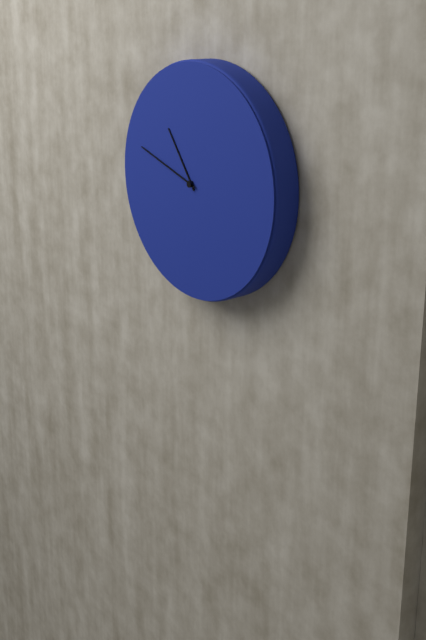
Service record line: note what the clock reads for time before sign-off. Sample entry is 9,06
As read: 10,48
